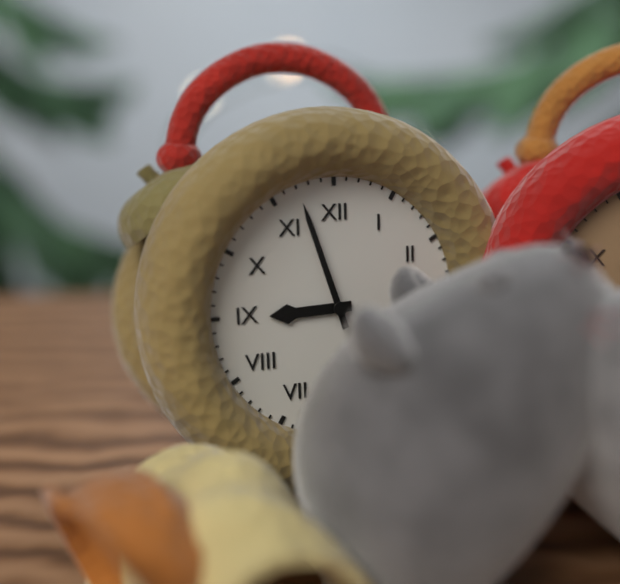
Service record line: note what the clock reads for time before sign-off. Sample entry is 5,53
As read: 8,57
